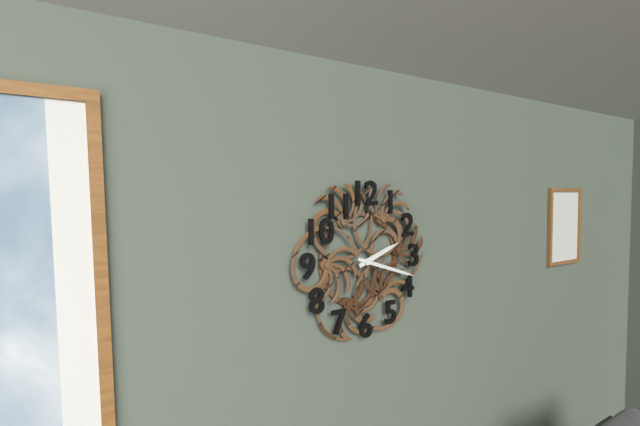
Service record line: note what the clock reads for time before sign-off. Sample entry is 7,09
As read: 2,18
